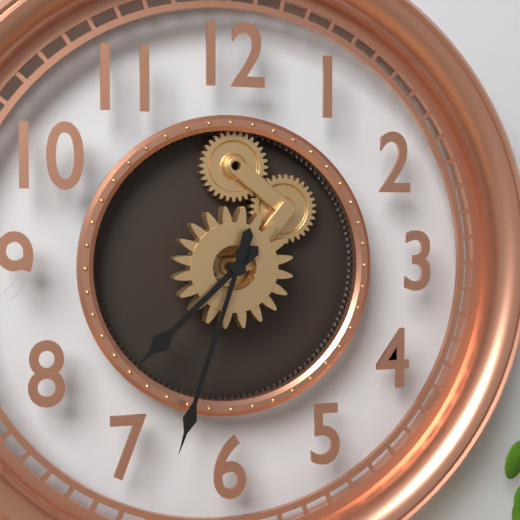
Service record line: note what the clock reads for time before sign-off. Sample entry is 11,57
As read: 7,33
